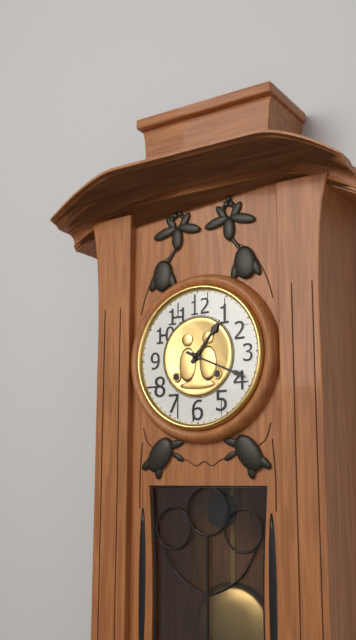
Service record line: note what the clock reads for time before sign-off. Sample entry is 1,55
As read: 1,19
